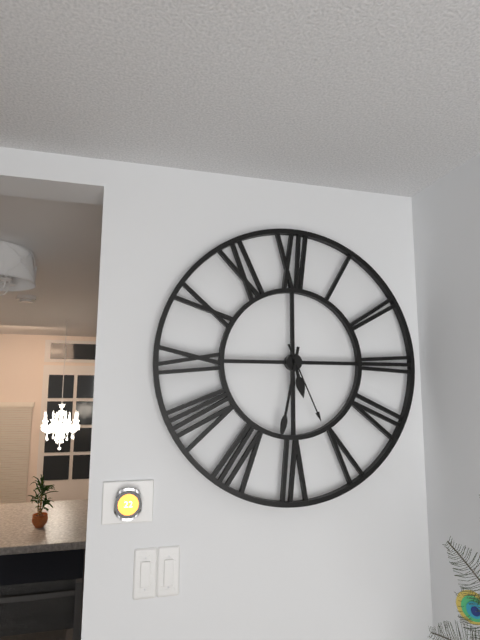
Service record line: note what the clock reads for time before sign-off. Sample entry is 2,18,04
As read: 5,32,26
